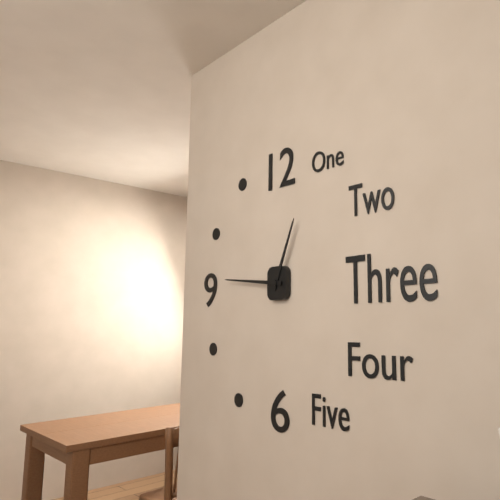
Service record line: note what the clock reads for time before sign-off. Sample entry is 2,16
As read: 12,46
